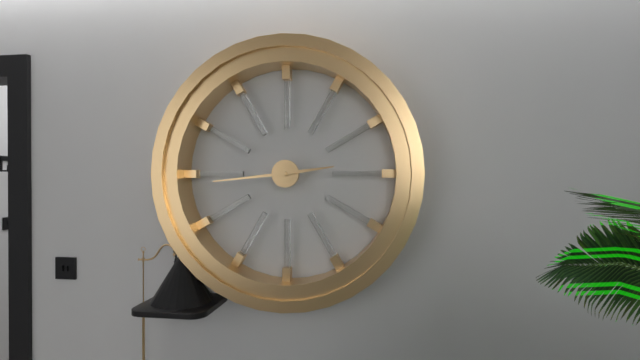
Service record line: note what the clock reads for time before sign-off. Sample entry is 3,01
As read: 2,44
